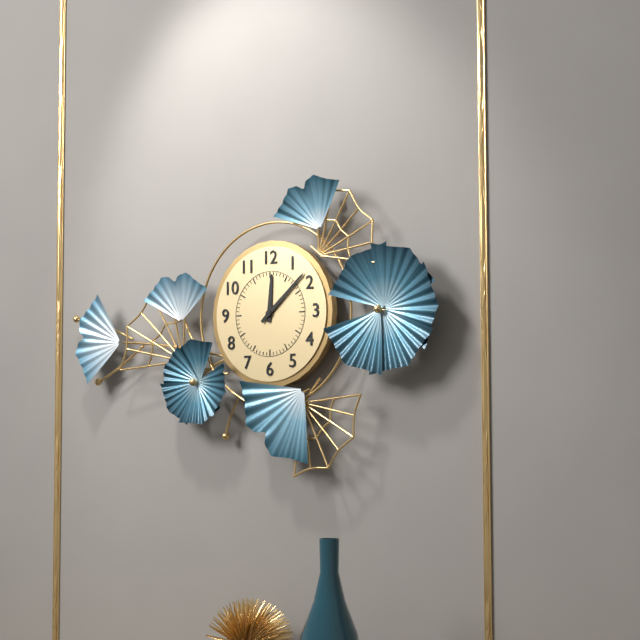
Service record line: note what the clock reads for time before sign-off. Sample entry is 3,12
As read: 12,08
